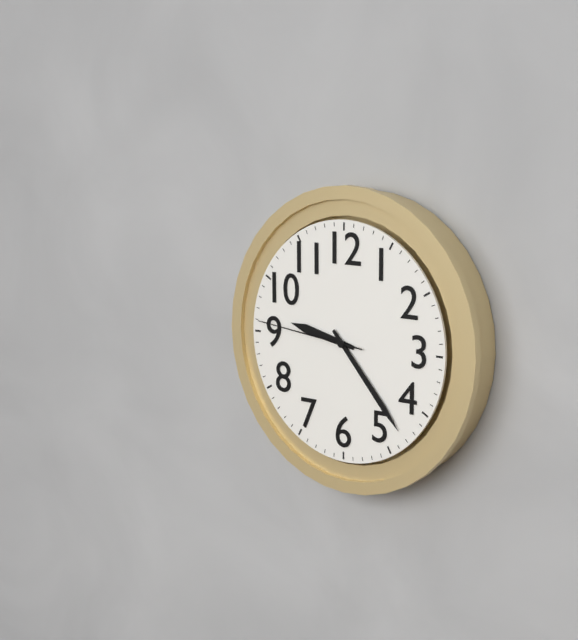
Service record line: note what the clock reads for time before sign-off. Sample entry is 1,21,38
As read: 9,23,46
